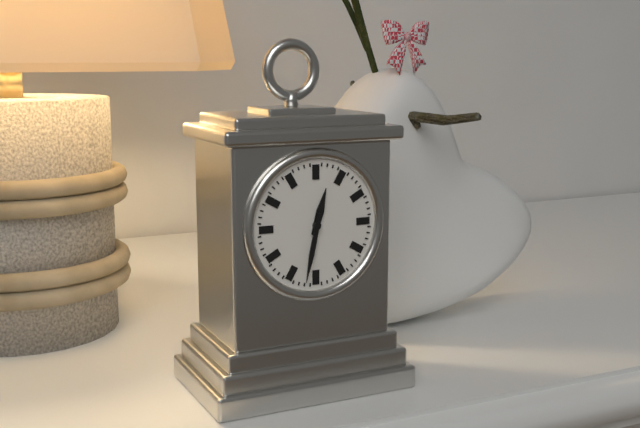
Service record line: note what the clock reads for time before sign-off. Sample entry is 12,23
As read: 12,32
